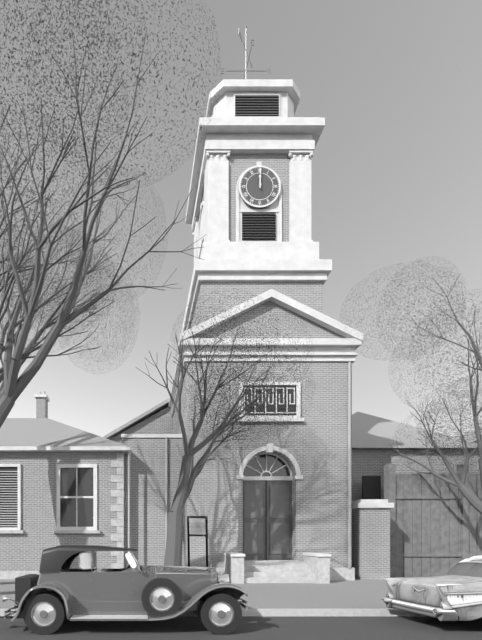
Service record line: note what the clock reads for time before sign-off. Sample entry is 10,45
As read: 12,00
